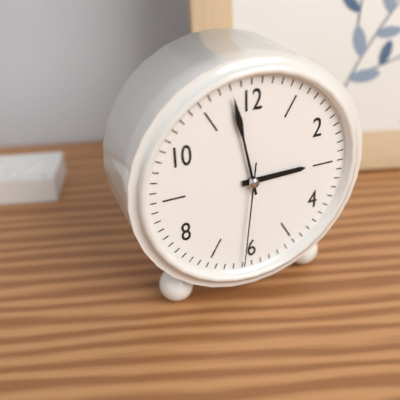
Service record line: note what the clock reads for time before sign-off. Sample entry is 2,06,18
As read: 2,58,31
